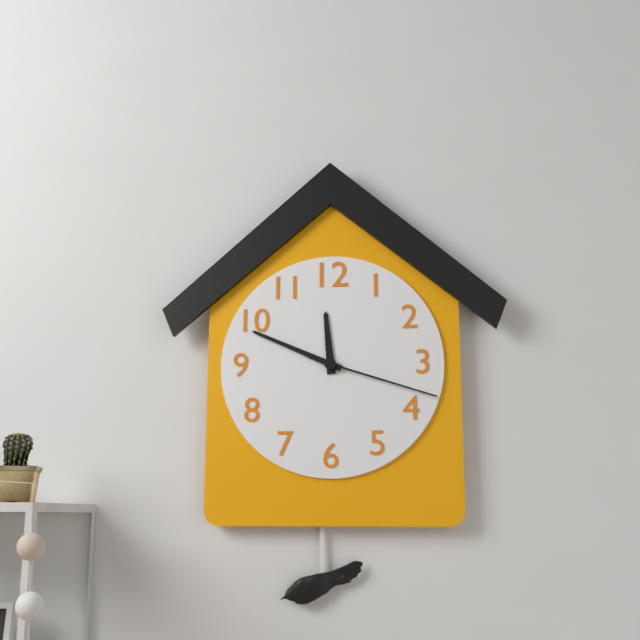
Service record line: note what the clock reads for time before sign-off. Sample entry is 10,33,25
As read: 11,49,18
